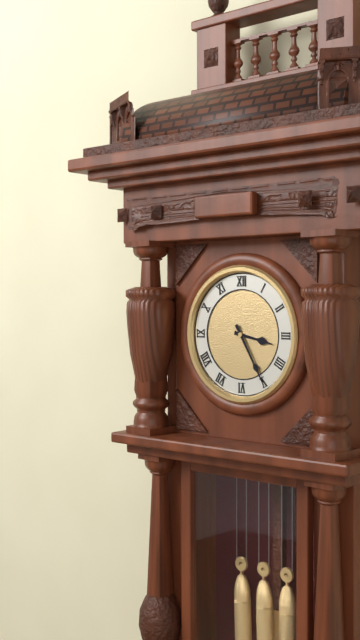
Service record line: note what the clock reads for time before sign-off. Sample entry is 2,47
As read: 3,25
